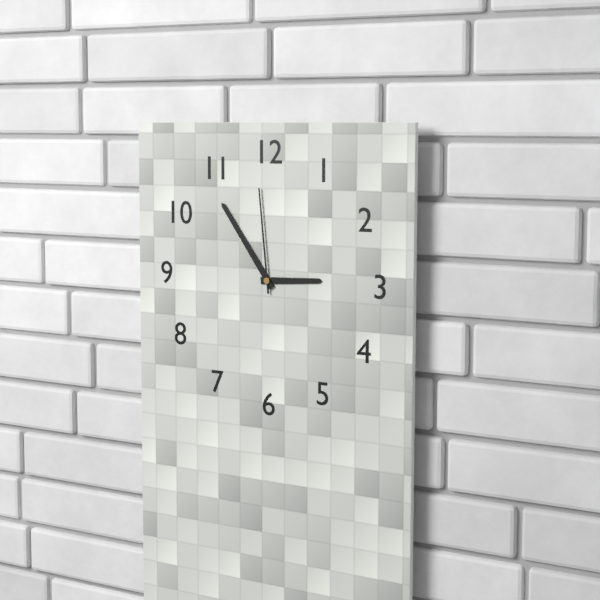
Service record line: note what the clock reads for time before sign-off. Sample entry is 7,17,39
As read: 2,54,59
